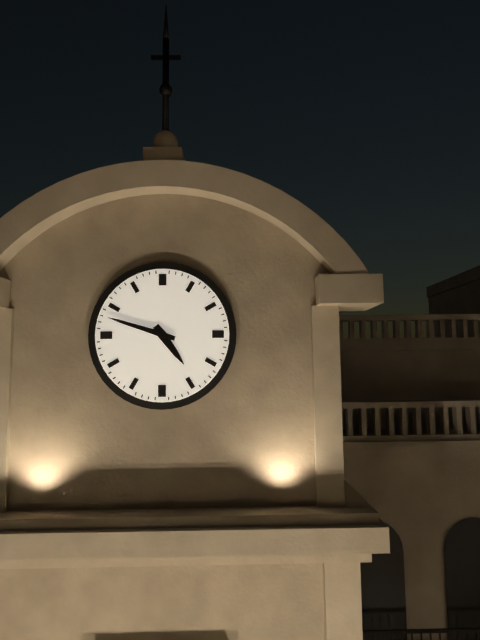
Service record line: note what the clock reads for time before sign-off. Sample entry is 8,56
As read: 4,48
